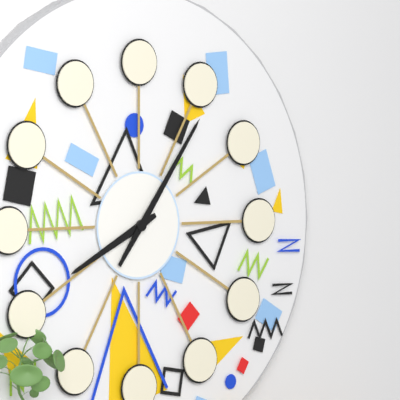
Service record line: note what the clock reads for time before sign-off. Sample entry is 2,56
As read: 8,06
